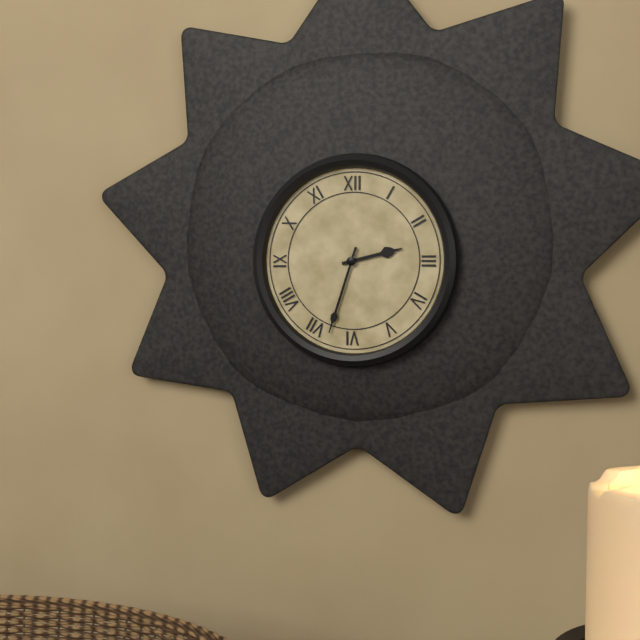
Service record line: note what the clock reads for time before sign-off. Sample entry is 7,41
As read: 2,33
